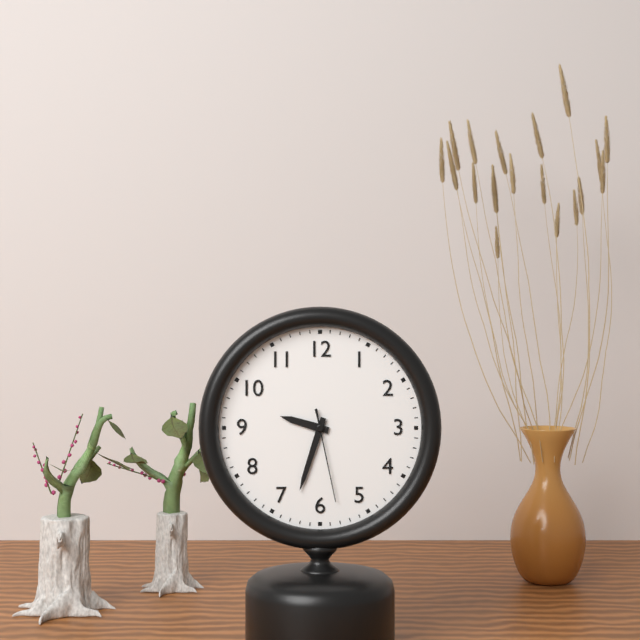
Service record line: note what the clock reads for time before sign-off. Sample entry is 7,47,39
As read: 9,33,28
